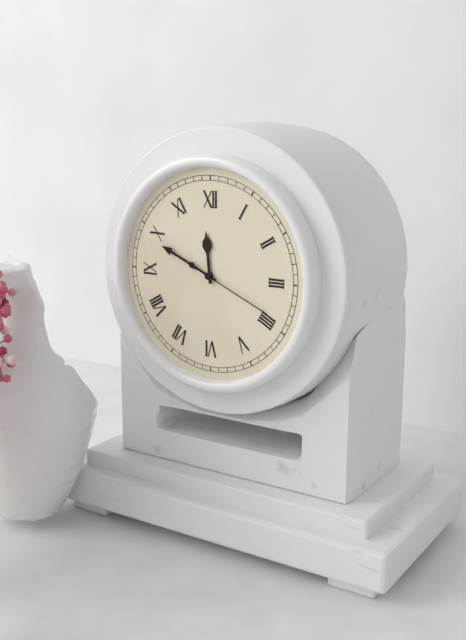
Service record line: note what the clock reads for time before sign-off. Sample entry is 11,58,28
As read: 11,49,19
